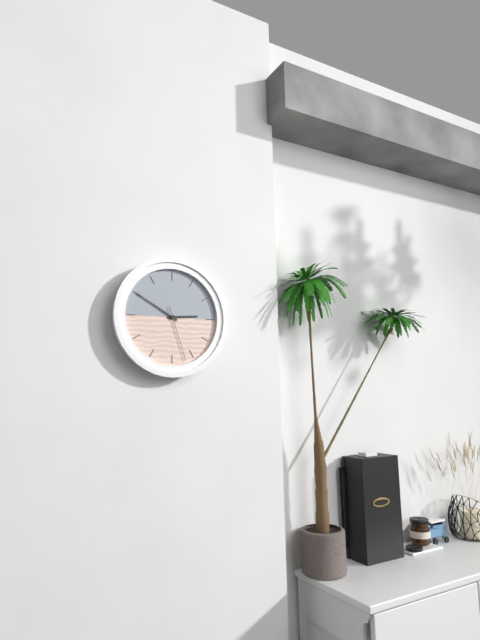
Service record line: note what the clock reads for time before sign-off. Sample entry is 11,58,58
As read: 2,50,27
